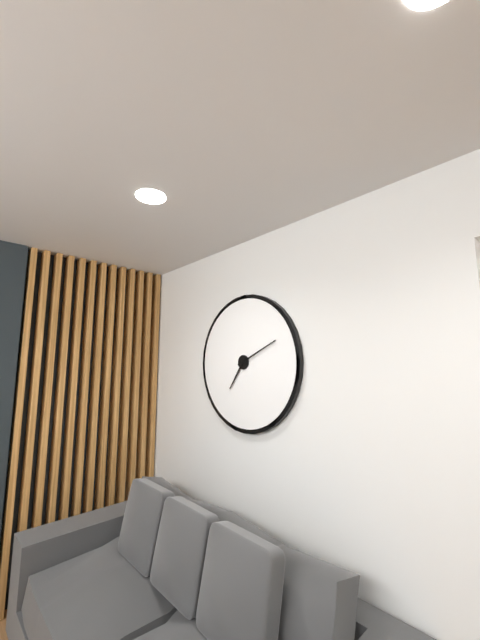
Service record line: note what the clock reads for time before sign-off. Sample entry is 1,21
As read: 7,11
